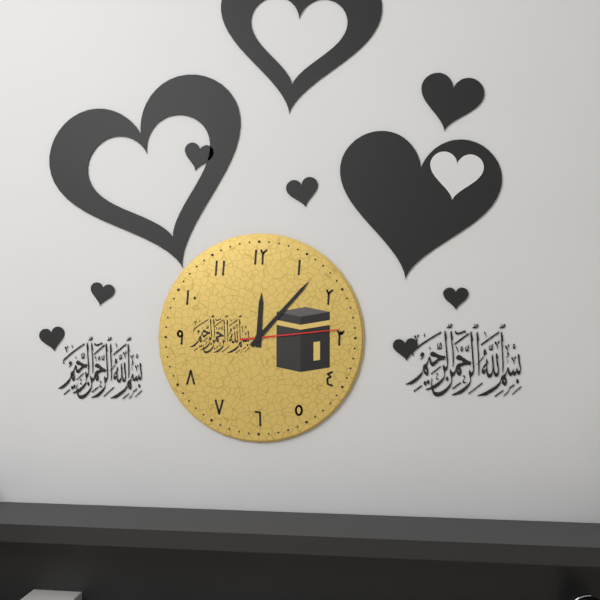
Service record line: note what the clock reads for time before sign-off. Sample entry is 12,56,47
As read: 12,07,14
